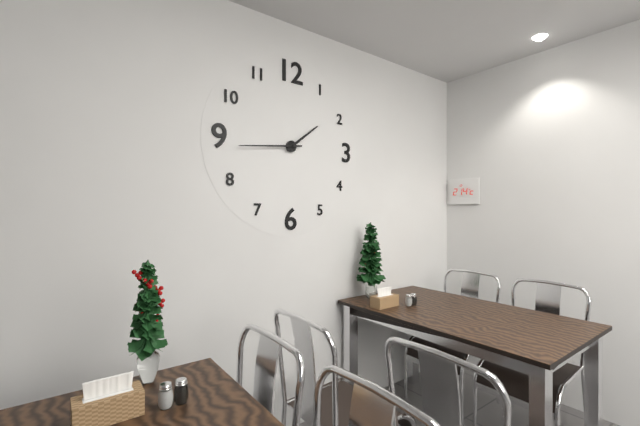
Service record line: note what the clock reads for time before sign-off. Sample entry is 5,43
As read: 1,44
